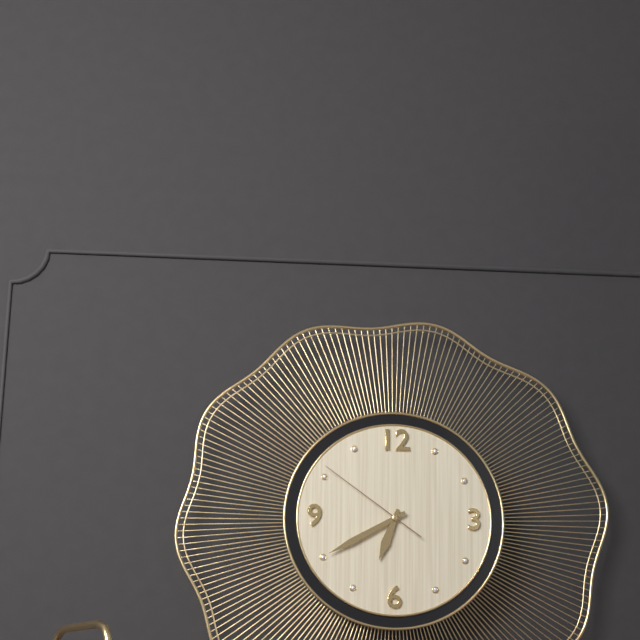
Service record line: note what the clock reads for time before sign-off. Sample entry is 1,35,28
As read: 6,40,51
